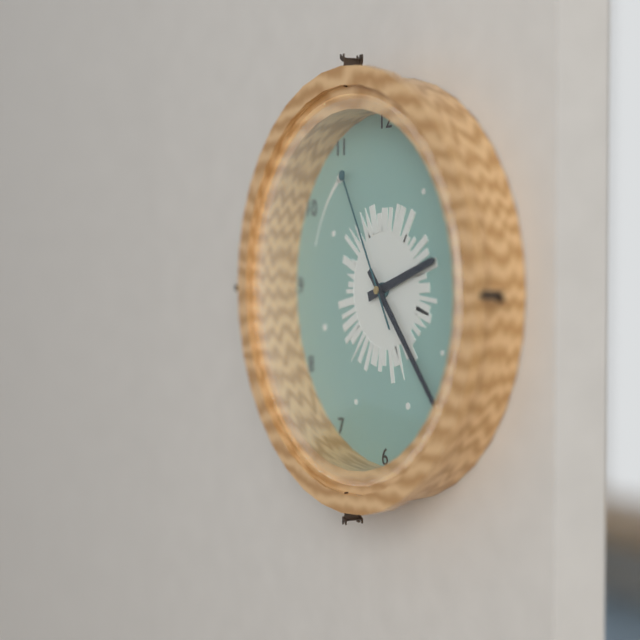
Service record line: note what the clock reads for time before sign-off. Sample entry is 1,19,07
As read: 2,23,55
